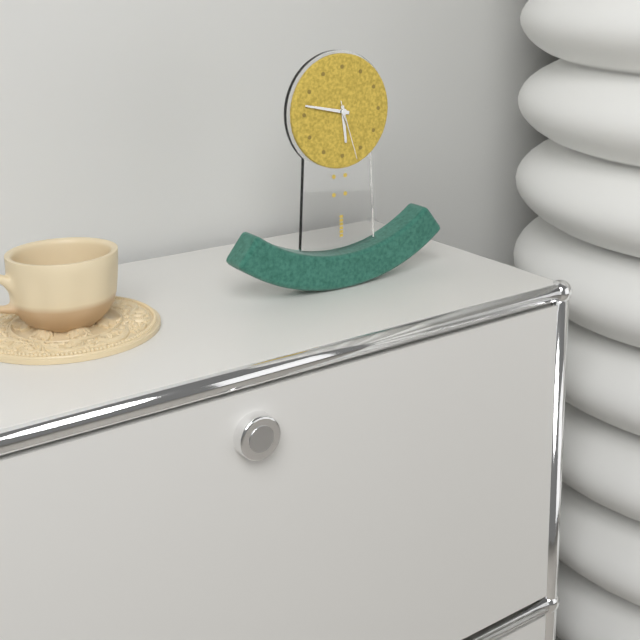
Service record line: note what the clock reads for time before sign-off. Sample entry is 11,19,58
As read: 5,47,27
